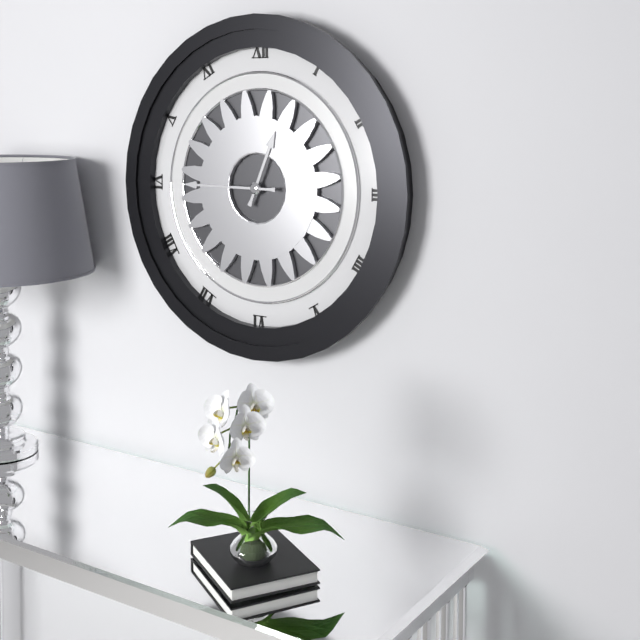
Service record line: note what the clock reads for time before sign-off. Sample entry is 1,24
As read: 12,45
